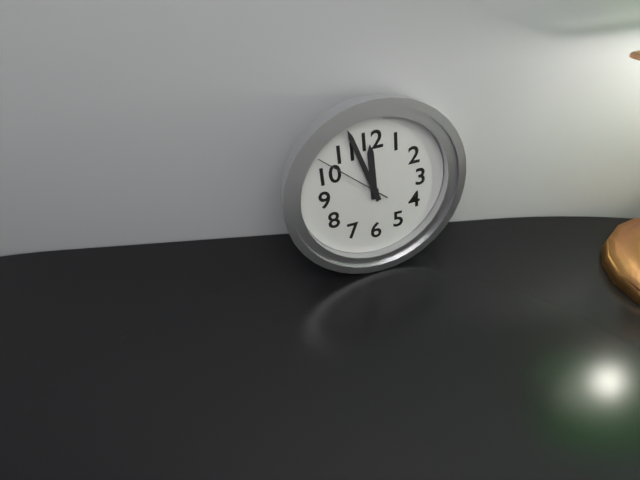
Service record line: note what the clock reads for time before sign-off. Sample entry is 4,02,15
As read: 11,57,52
